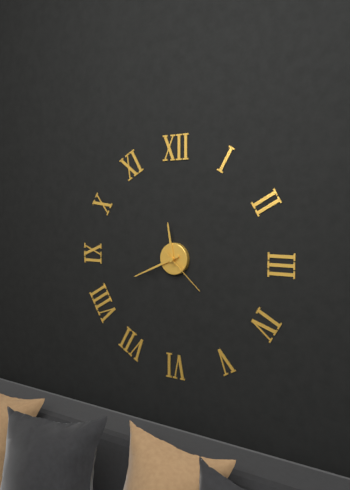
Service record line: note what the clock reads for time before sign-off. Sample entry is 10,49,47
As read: 11,41,22
